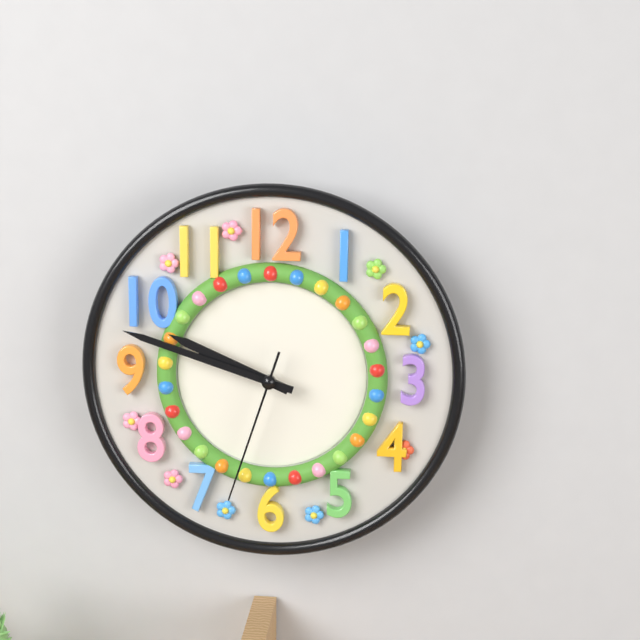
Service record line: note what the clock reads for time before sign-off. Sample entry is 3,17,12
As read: 9,48,33
